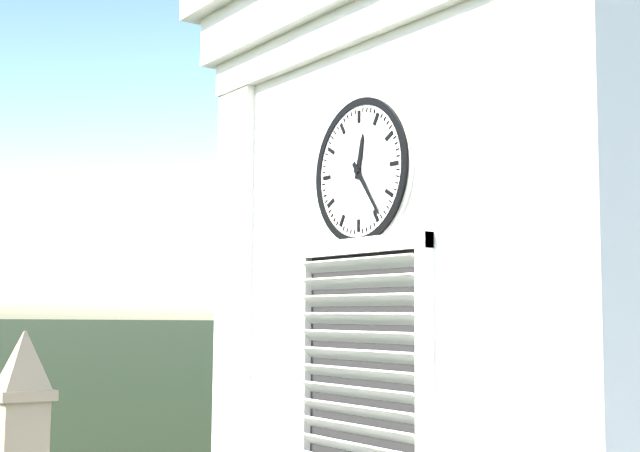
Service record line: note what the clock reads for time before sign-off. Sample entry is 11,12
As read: 12,24
